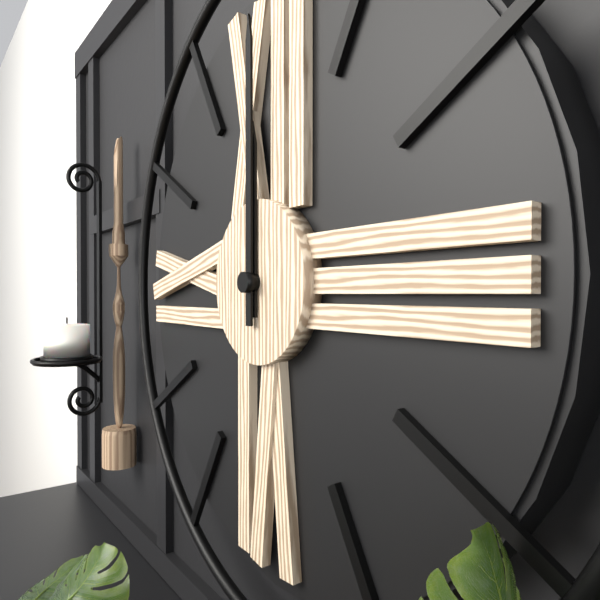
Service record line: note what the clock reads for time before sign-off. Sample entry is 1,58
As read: 12,00
